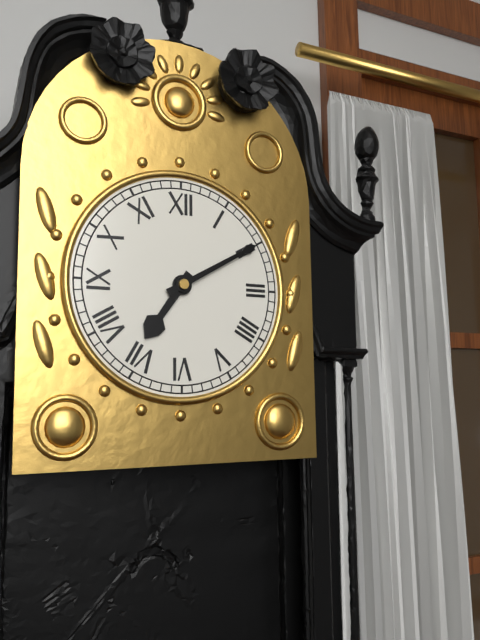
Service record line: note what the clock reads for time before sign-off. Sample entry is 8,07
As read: 7,10
